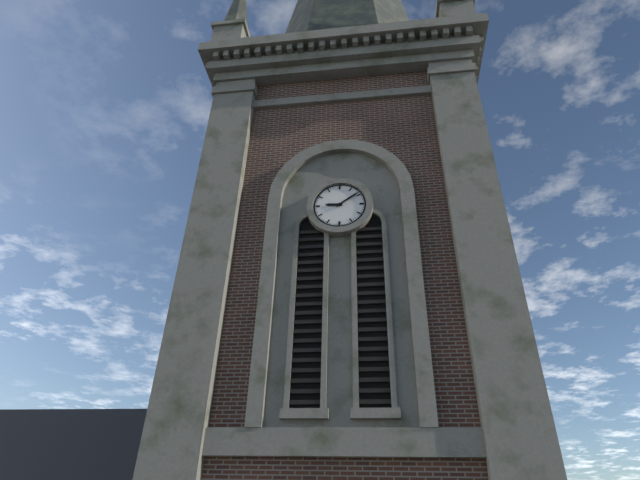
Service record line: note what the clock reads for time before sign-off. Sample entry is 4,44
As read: 9,09
